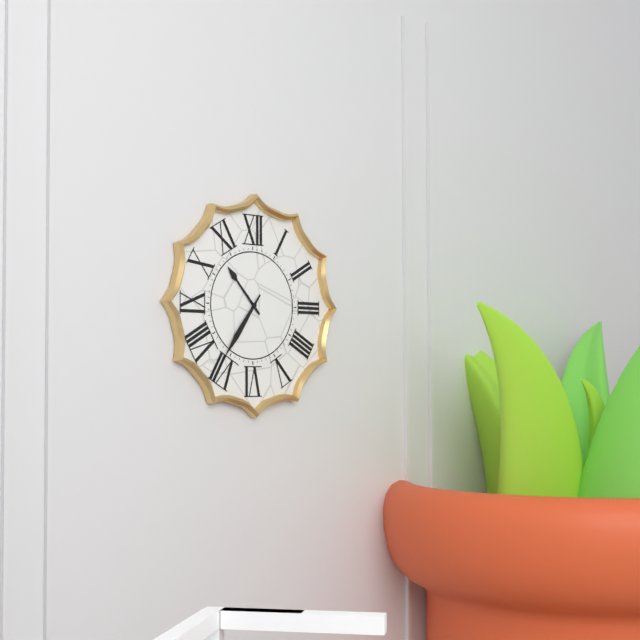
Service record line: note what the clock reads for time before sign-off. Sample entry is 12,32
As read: 10,36
